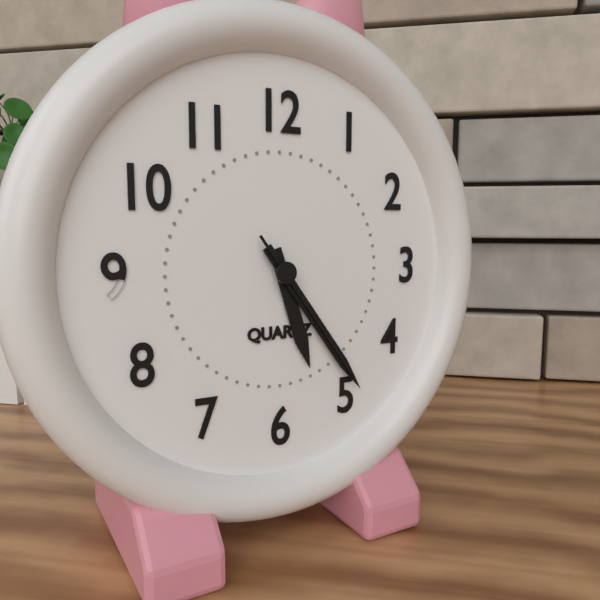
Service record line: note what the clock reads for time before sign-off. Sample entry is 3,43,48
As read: 5,24,24
